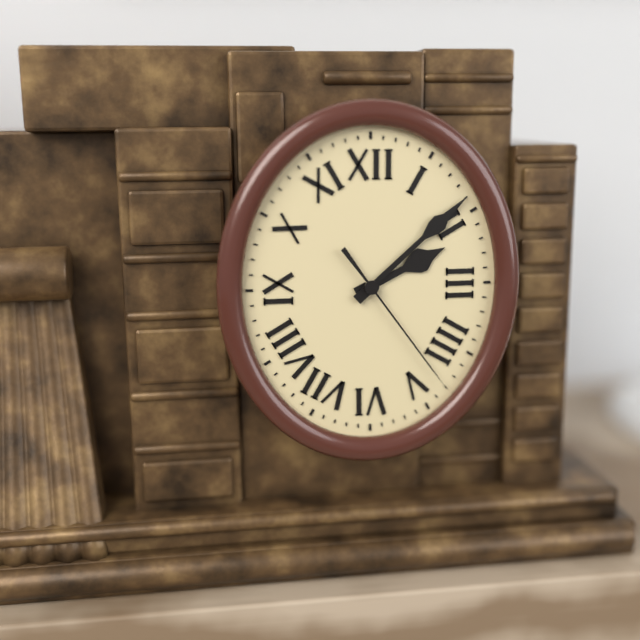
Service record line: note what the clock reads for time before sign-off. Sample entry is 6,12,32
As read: 2,08,24
